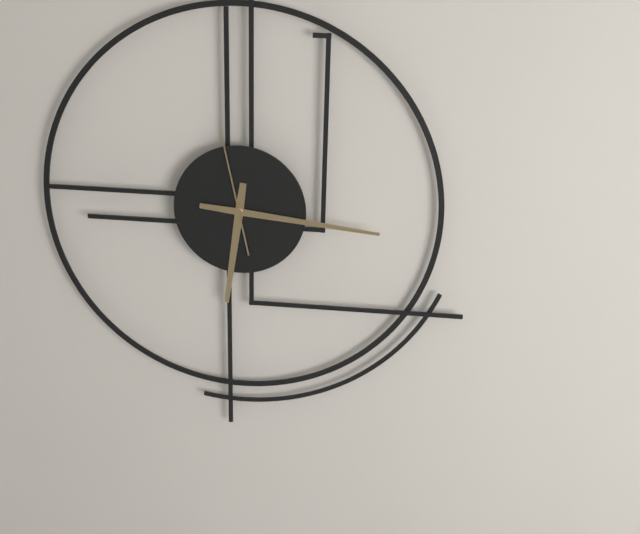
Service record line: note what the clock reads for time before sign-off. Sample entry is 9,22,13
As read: 6,16,58
